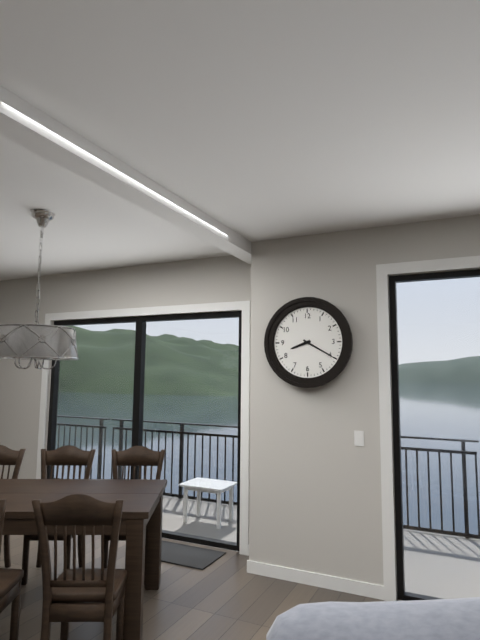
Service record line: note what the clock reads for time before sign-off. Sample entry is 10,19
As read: 8,20
